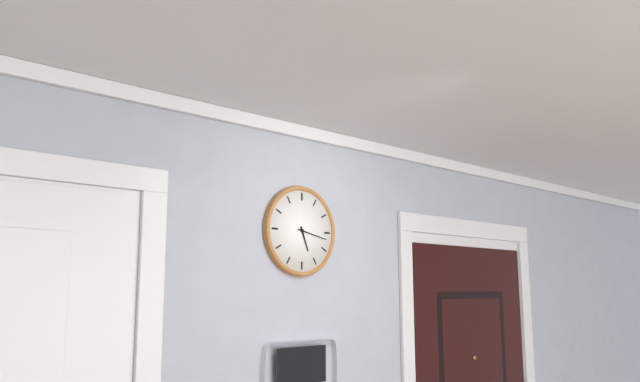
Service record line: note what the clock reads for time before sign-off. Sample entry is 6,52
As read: 5,17
